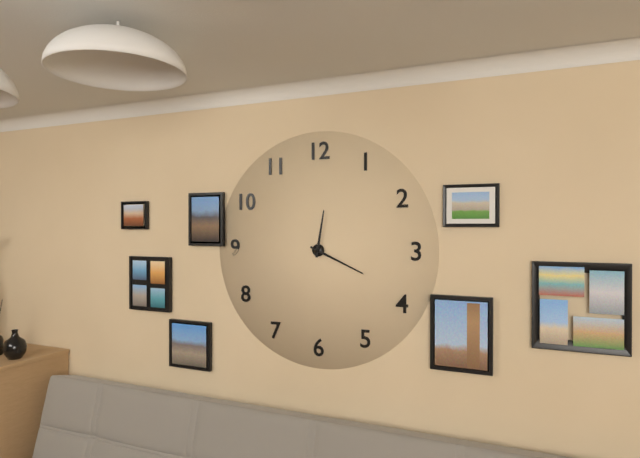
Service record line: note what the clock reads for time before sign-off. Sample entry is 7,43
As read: 12,19
